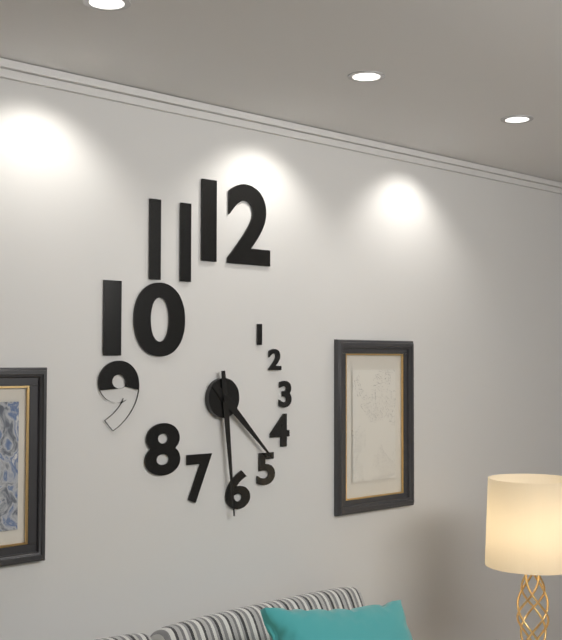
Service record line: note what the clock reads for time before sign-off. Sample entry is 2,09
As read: 4,29
